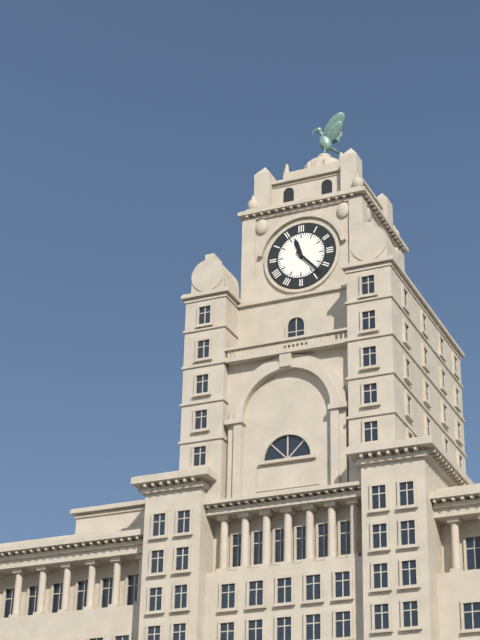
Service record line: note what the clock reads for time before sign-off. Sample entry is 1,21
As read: 11,23
